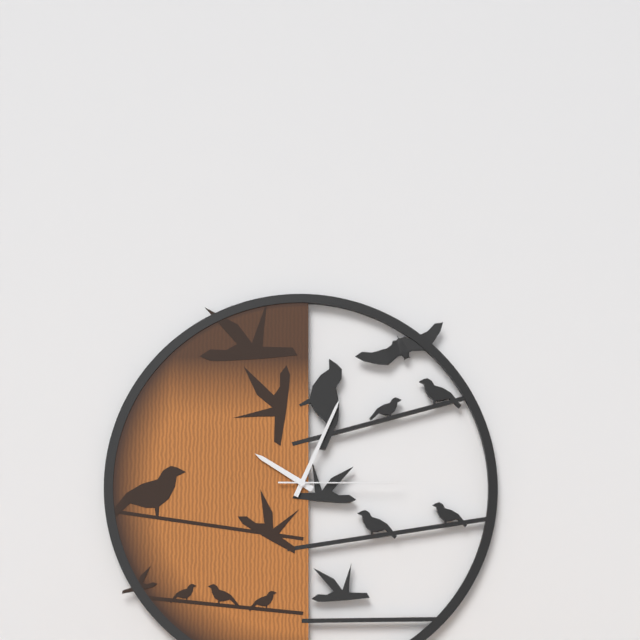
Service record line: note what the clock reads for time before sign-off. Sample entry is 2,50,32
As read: 10,04,15
